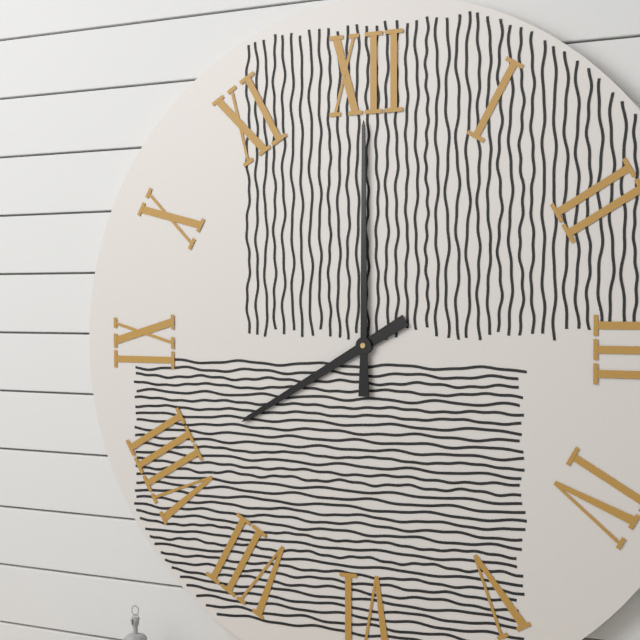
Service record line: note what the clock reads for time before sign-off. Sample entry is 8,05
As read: 8,00
